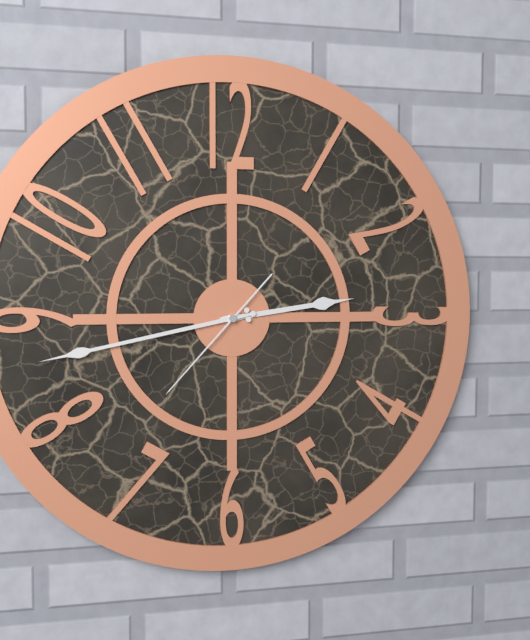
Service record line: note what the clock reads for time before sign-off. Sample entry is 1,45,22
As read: 2,43,37
